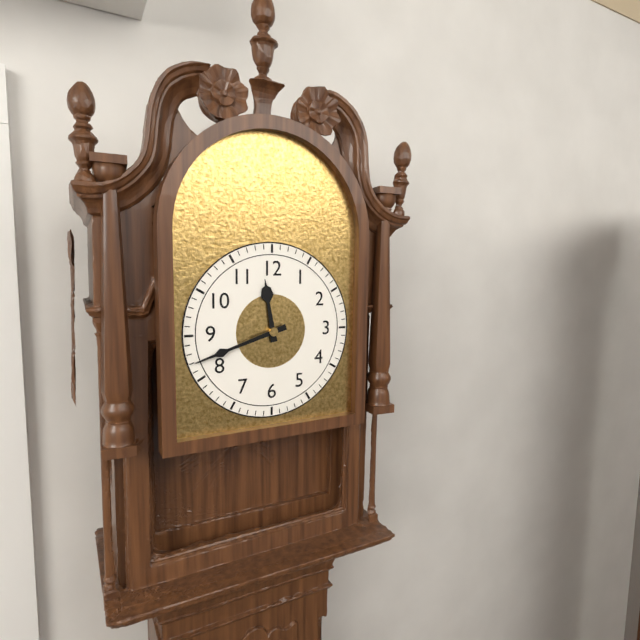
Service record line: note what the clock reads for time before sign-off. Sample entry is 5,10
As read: 11,42
